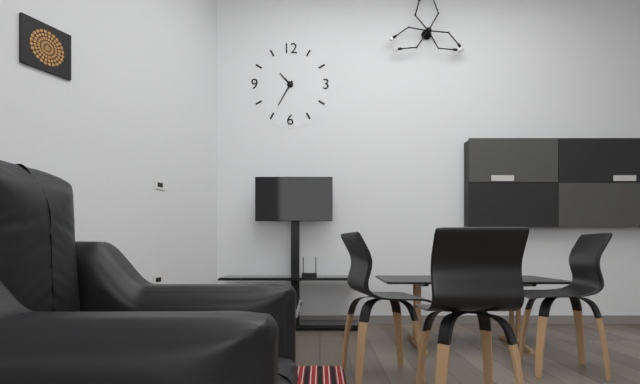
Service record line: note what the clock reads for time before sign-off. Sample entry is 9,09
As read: 10,35
